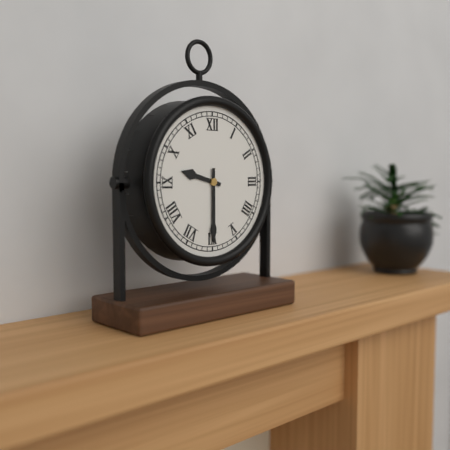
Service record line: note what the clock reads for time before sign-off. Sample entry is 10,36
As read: 9,30
